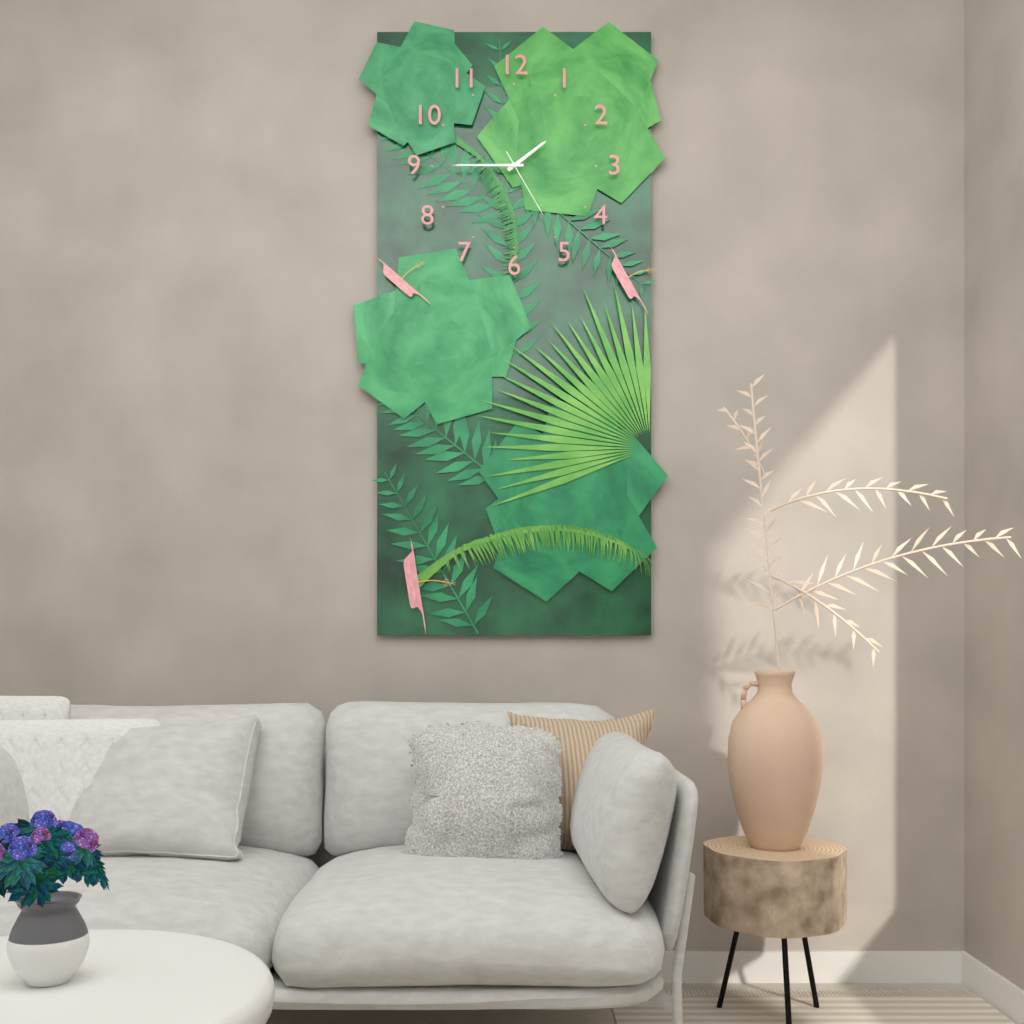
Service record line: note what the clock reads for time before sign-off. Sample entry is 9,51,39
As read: 1,45,25
